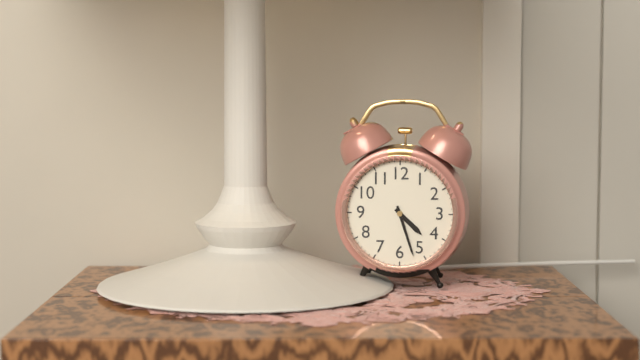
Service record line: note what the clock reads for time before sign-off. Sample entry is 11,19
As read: 4,27
